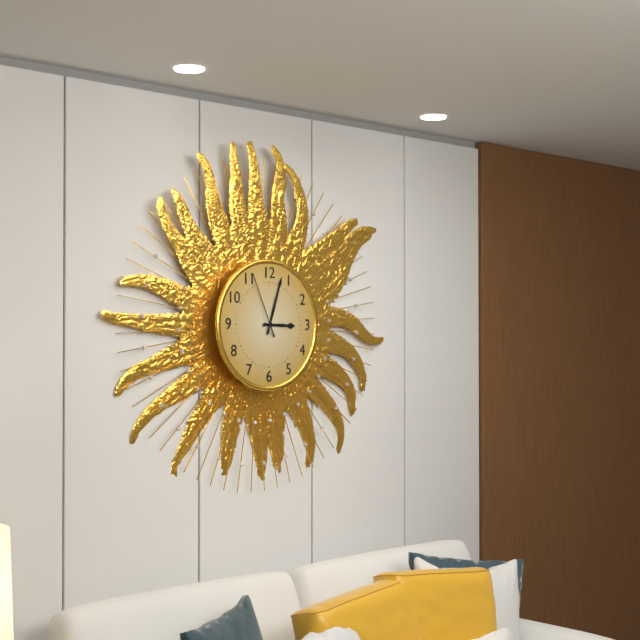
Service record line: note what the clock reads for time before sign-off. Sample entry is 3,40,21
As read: 3,03,56
